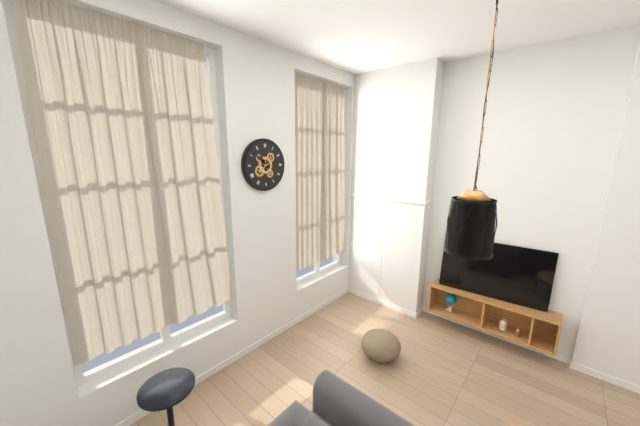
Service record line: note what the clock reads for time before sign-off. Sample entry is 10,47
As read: 10,52
